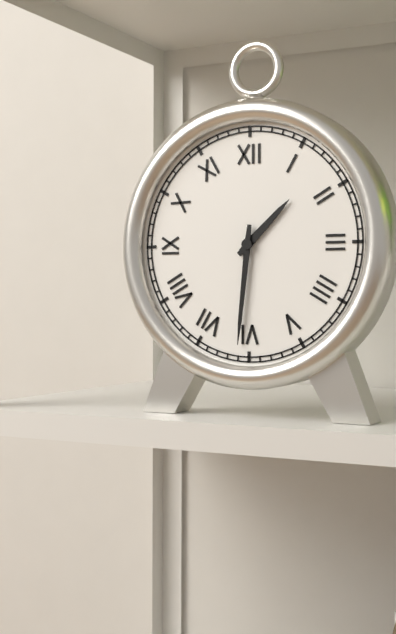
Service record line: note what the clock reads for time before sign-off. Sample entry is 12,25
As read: 1,31
